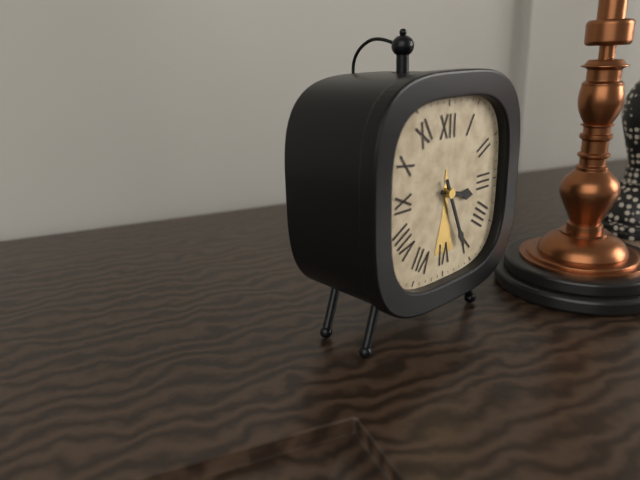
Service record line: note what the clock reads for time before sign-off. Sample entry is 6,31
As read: 3,26
